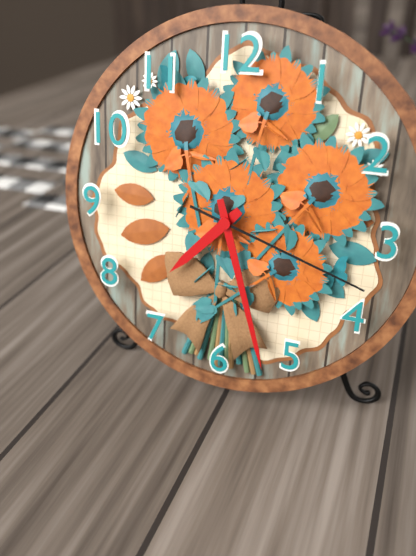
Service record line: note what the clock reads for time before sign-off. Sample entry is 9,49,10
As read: 7,27,18
